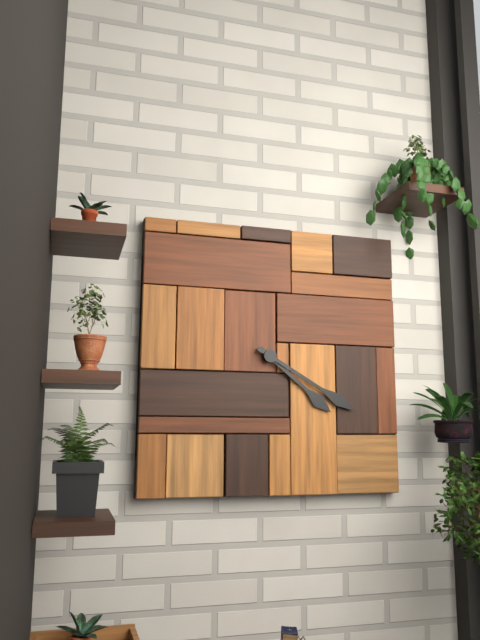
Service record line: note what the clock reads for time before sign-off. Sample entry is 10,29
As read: 4,20
